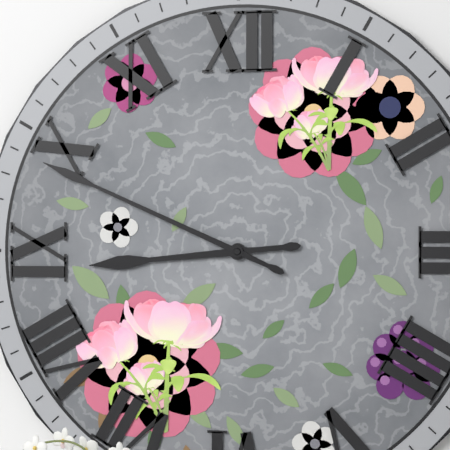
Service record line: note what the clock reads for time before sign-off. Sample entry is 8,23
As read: 8,49
